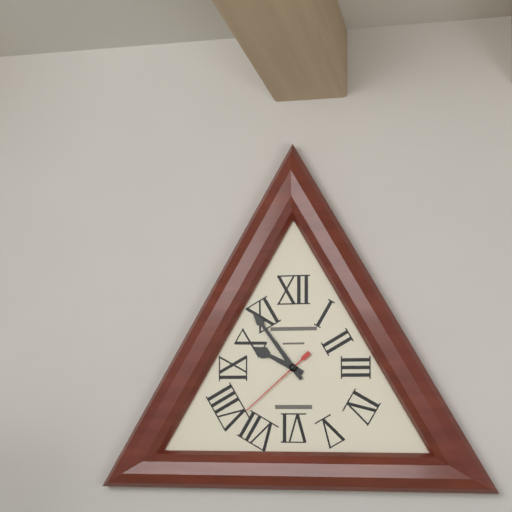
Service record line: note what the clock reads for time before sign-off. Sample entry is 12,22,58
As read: 9,54,38
